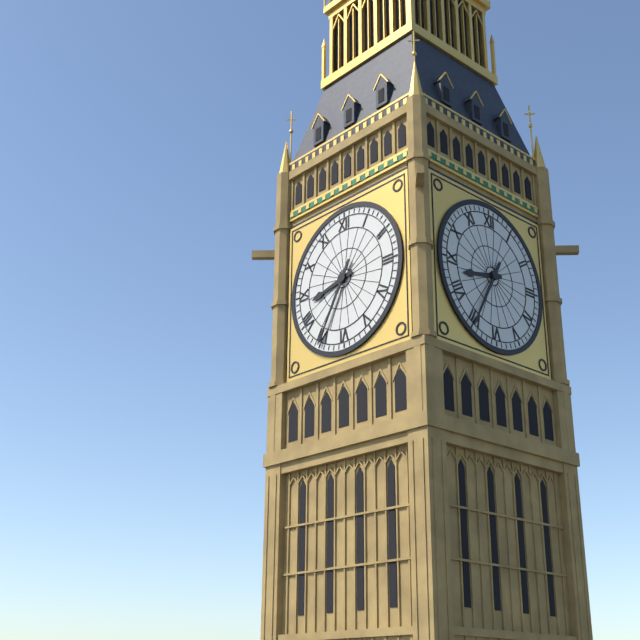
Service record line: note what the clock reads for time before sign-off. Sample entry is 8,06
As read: 8,35
